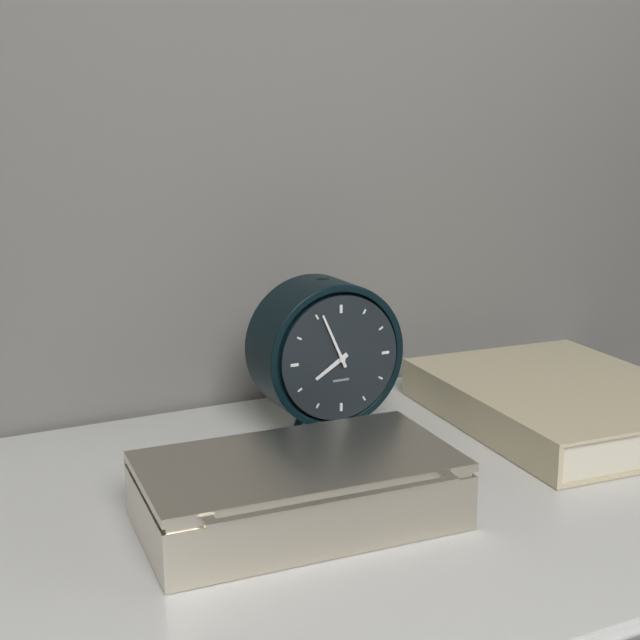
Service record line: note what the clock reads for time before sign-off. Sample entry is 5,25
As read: 7,56
